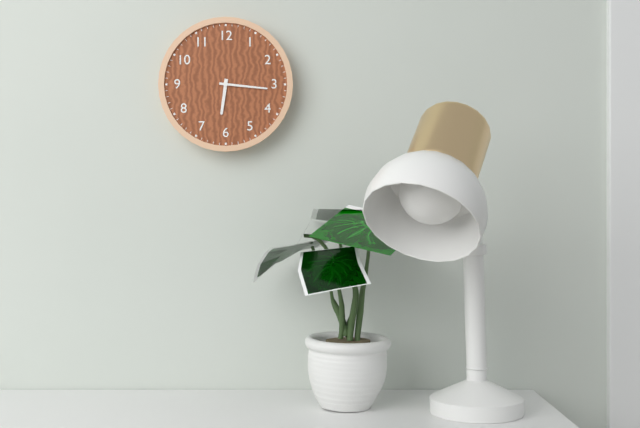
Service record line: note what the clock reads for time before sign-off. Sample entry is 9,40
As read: 6,16
